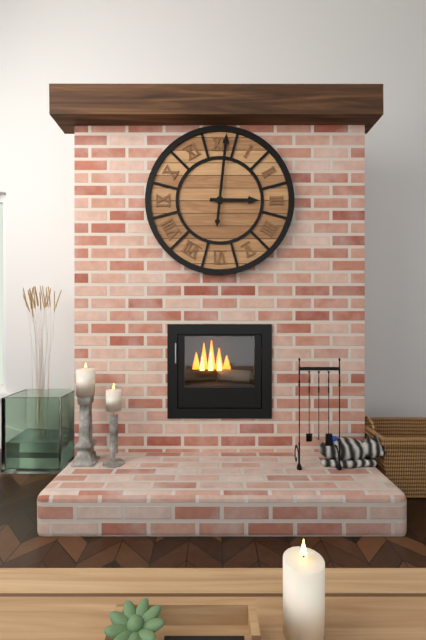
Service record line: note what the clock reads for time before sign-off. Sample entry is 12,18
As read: 3,01
